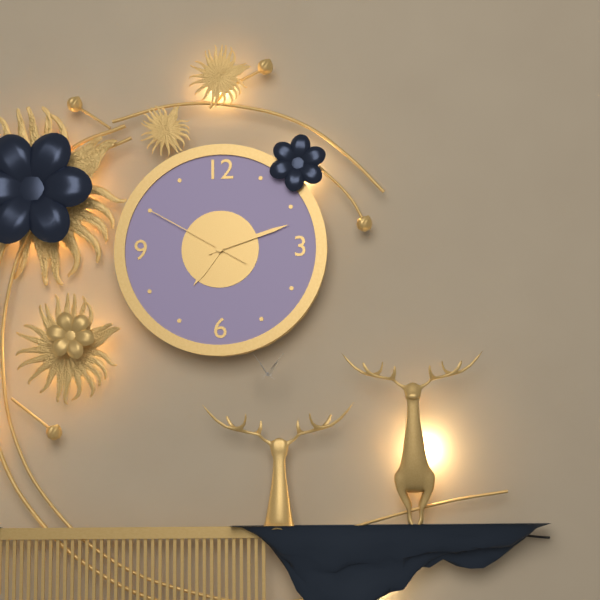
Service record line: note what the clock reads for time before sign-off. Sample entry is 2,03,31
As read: 7,12,50
